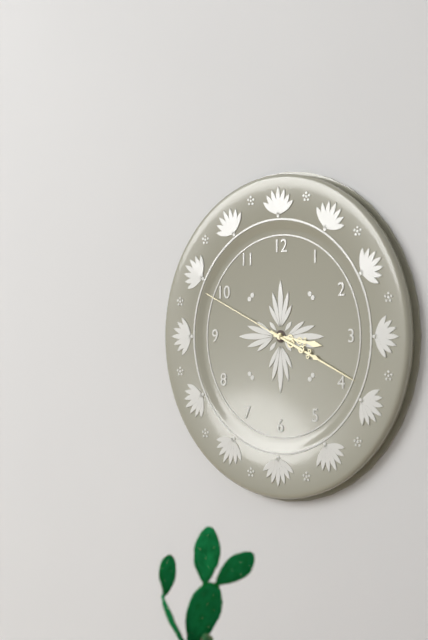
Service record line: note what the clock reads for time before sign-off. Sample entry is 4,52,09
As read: 3,19,49
